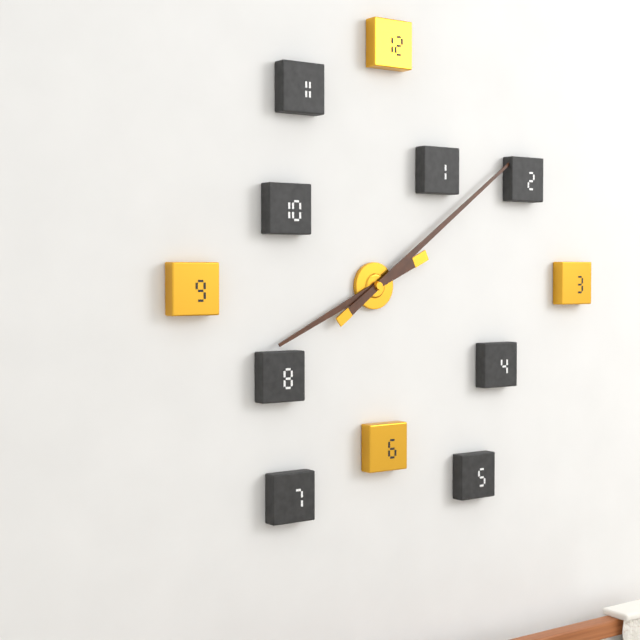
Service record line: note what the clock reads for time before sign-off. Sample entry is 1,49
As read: 8,09
